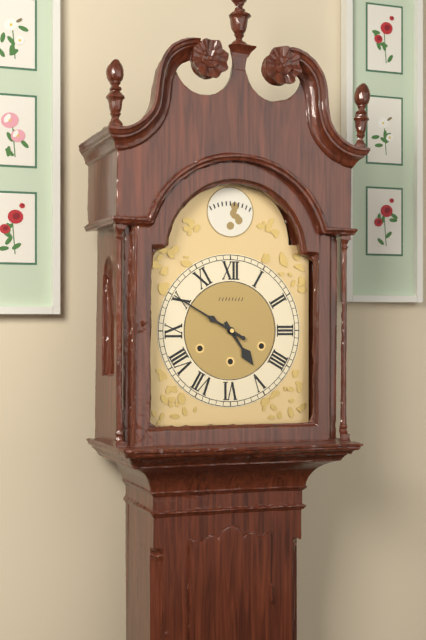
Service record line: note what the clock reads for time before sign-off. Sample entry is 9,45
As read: 4,50
